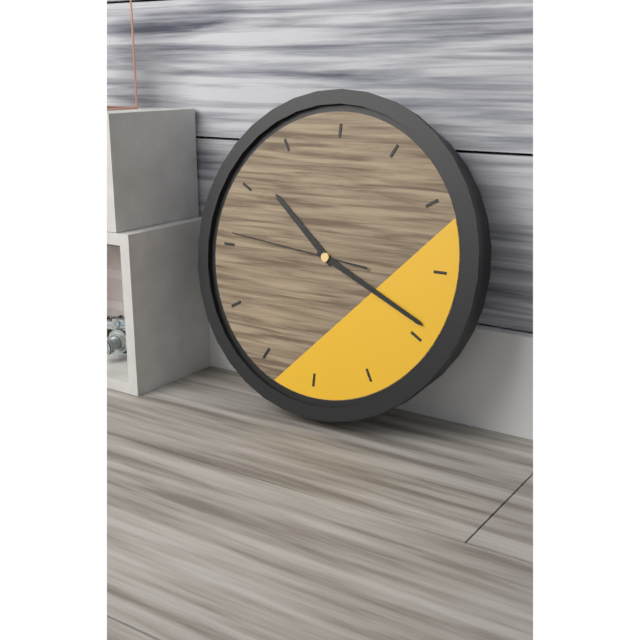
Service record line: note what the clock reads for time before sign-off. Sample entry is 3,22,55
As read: 10,19,46
